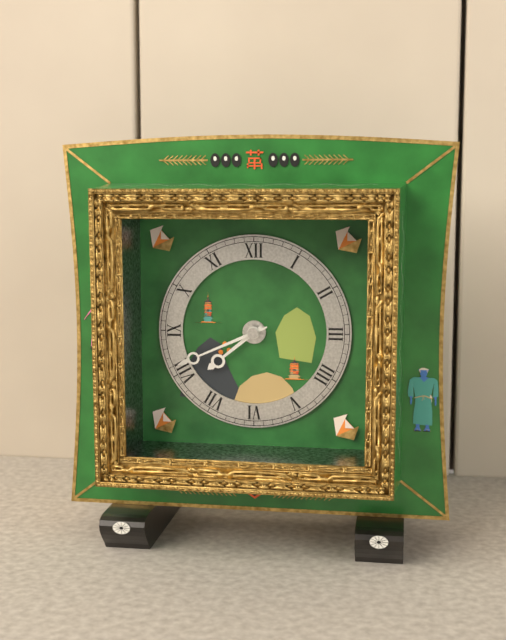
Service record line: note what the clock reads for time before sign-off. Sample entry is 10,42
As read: 7,41
